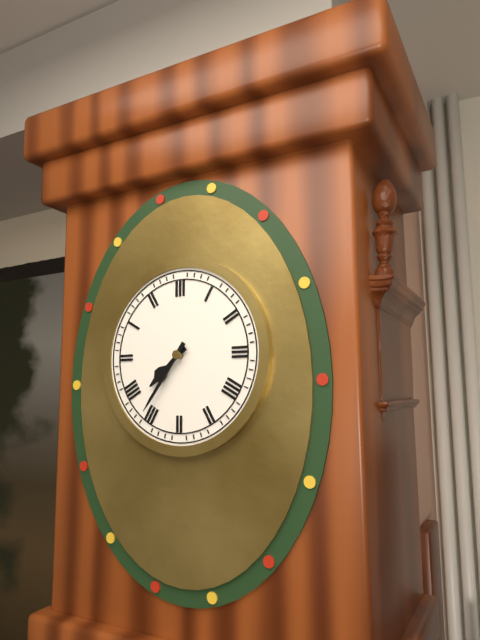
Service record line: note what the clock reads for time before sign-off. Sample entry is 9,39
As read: 7,36
